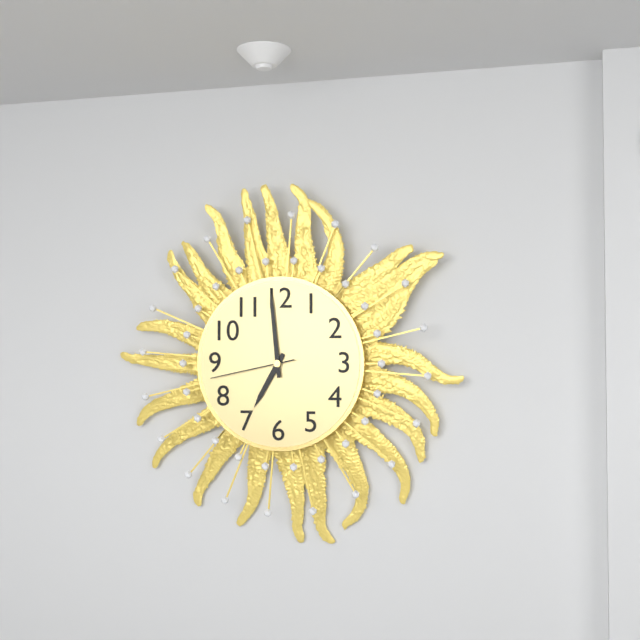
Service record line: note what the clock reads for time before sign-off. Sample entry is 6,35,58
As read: 6,59,43
